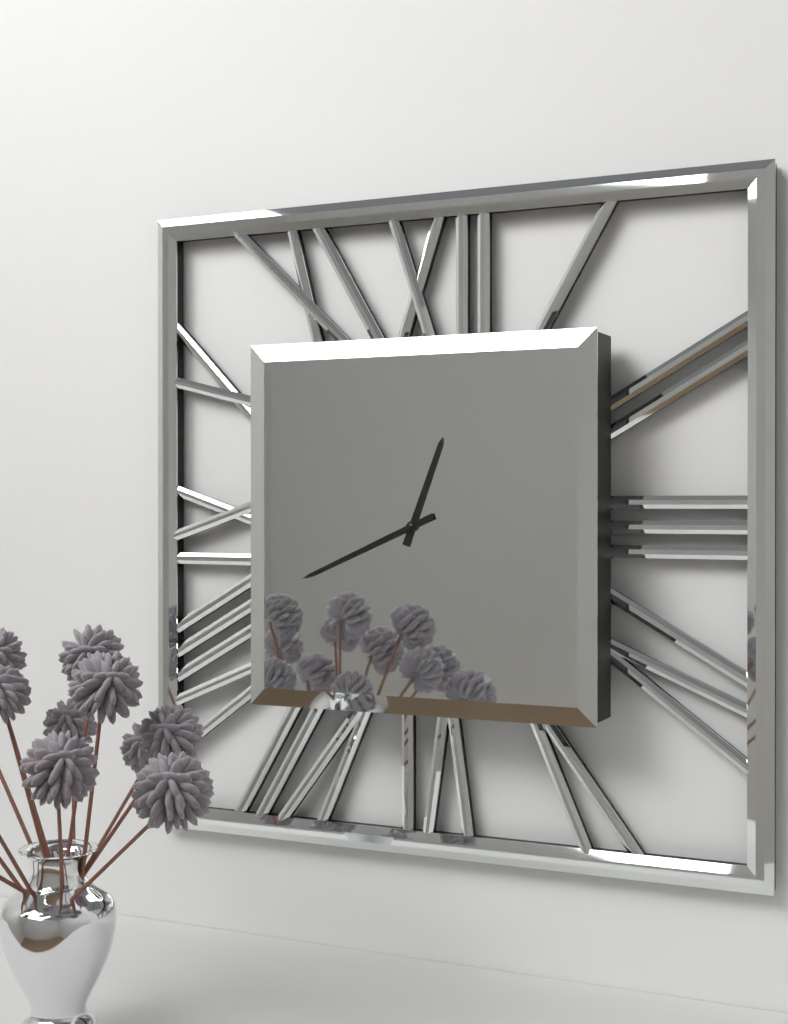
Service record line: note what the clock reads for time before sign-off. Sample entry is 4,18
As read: 12,41
